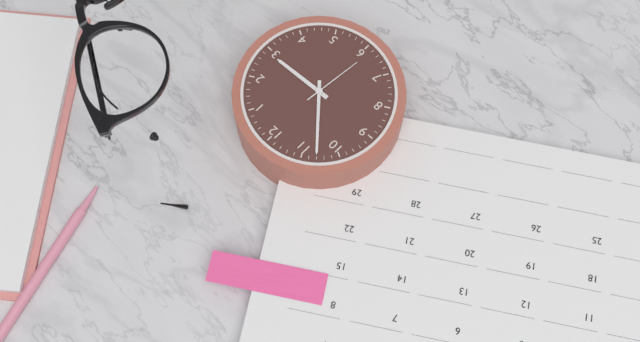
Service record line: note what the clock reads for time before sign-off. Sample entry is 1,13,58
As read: 2,53,31
